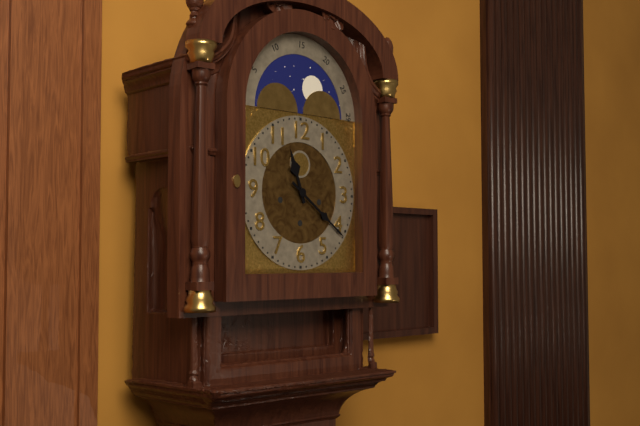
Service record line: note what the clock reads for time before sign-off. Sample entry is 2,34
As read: 11,21
